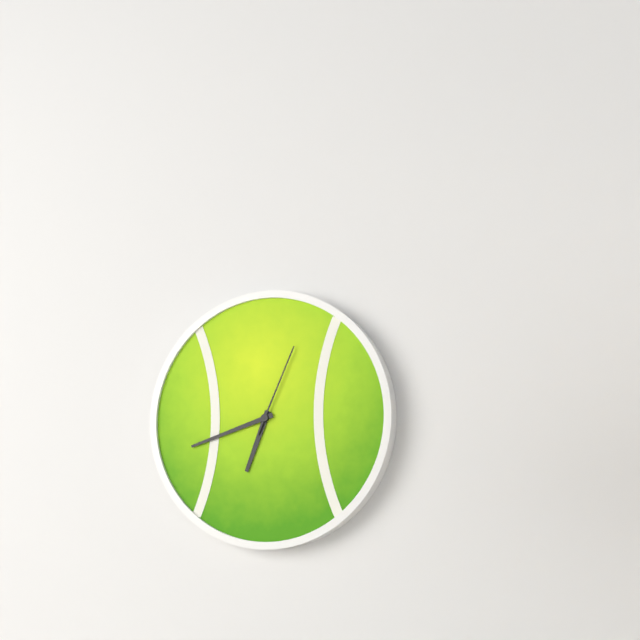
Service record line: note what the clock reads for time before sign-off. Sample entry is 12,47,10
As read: 6,42,04
